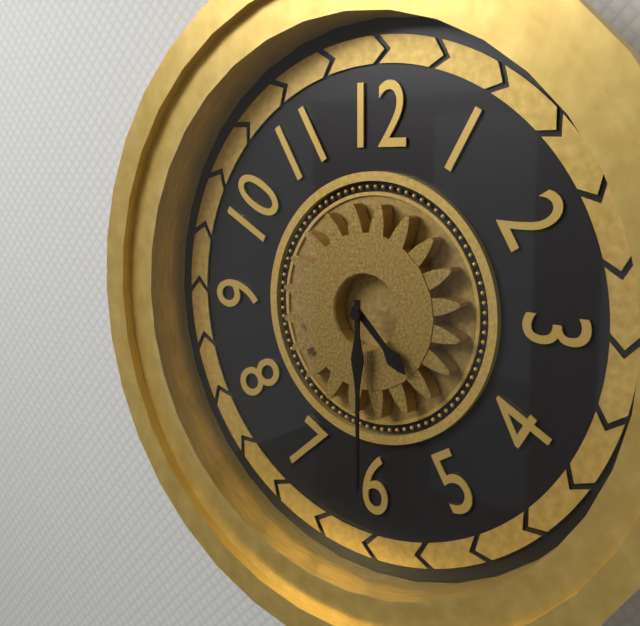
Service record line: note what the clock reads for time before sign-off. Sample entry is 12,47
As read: 4,30
